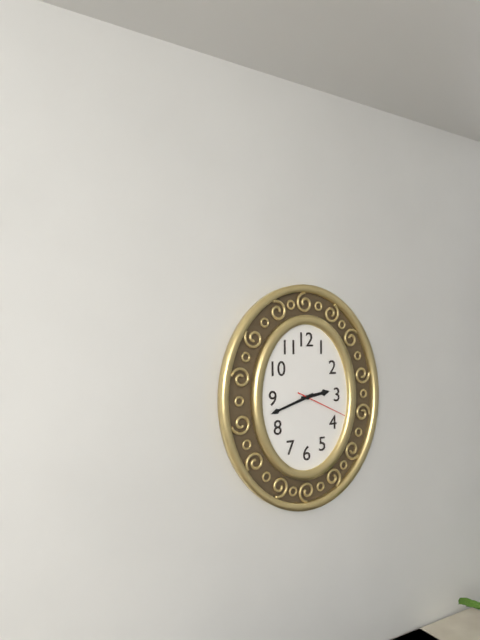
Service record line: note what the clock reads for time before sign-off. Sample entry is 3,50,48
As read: 2,42,19
